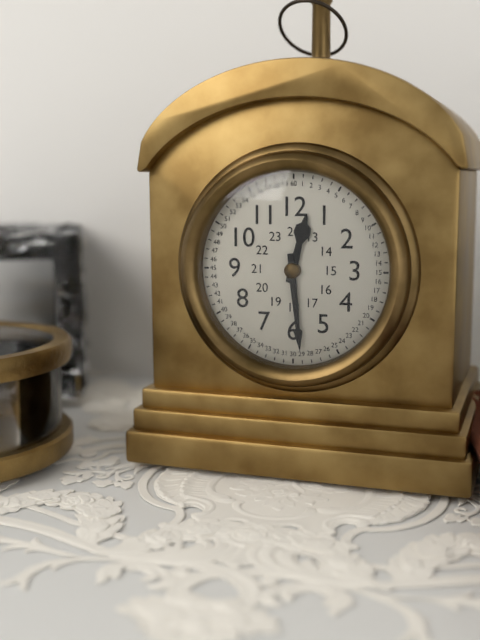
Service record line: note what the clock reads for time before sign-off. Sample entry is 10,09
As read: 12,29
